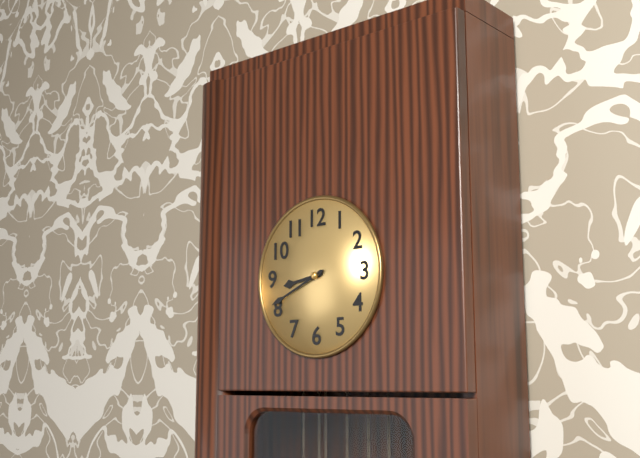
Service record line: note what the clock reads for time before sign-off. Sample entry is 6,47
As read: 8,41
